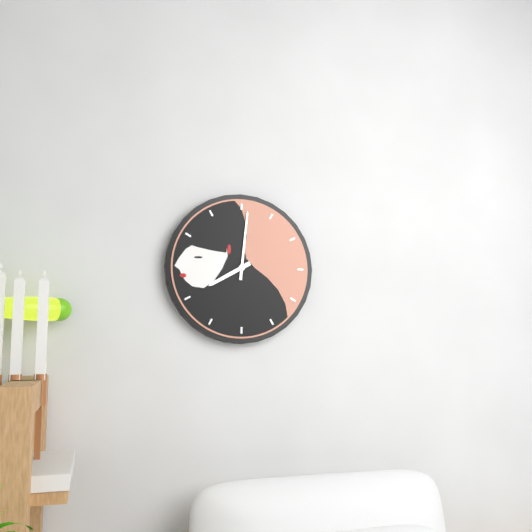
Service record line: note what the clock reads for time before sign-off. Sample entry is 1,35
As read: 8,01
